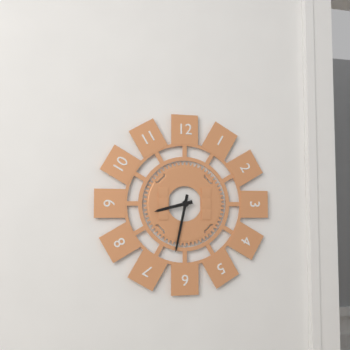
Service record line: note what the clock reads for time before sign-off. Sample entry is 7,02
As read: 8,32
